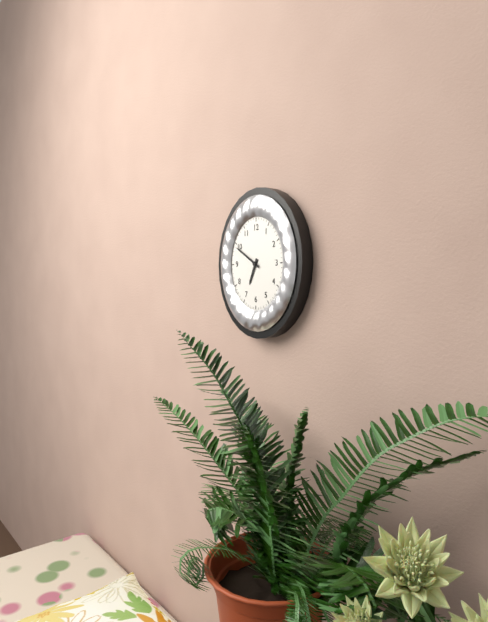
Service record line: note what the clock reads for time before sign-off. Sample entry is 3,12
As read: 6,50
